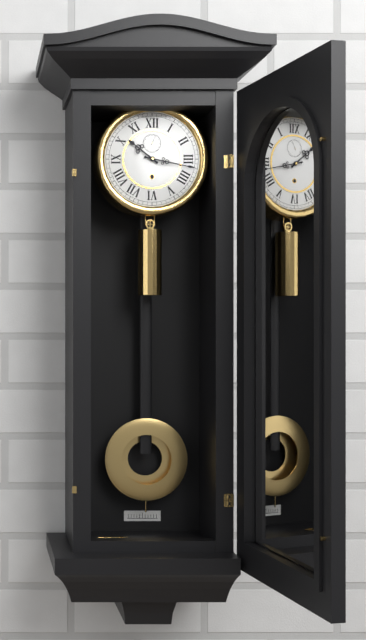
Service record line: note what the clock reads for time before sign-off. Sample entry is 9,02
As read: 10,17
